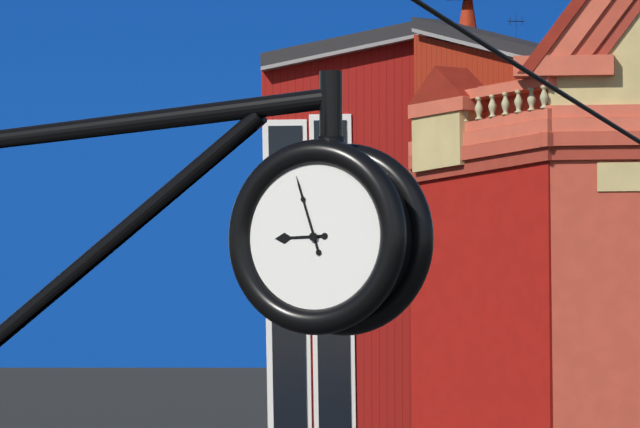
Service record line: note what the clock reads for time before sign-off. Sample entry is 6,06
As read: 8,57
